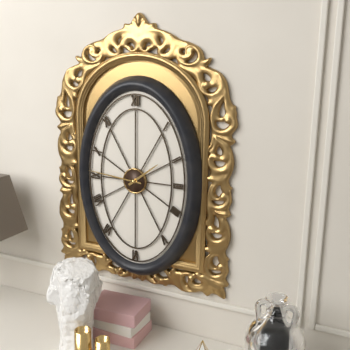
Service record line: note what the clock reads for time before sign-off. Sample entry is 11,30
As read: 1,46
